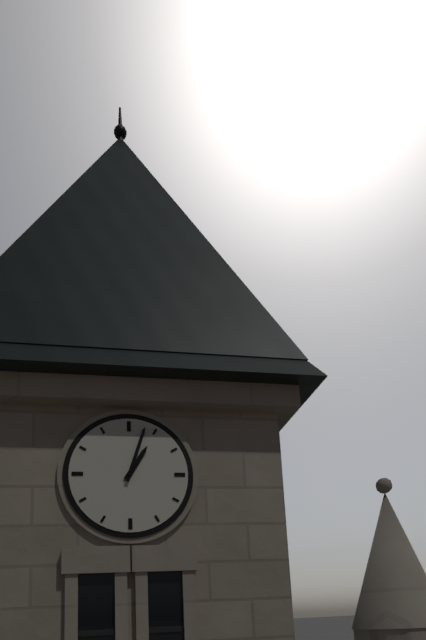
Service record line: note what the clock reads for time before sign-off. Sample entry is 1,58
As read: 1,03
